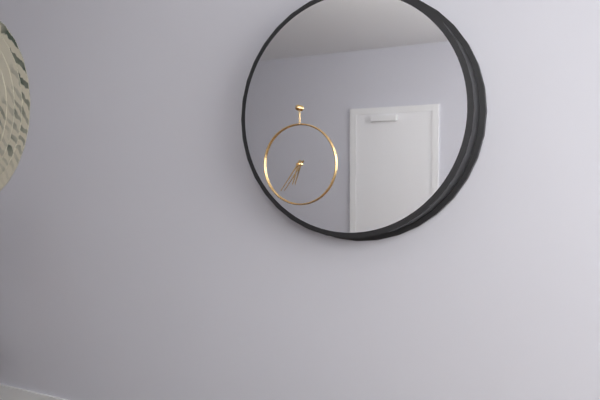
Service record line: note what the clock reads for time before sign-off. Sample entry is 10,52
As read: 6,36
